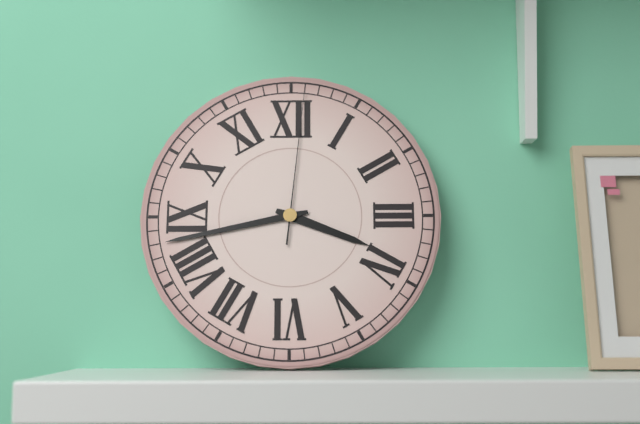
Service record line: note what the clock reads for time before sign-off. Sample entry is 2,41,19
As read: 3,43,01
